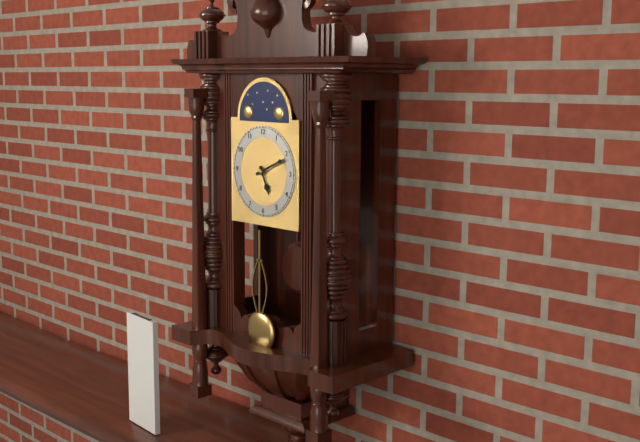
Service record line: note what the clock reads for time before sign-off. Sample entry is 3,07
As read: 5,11
